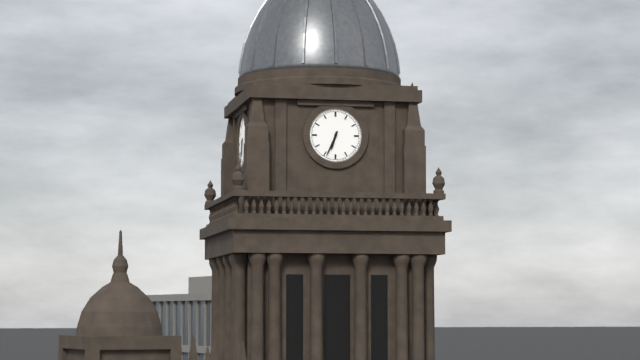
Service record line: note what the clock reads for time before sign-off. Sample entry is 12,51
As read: 6,34
